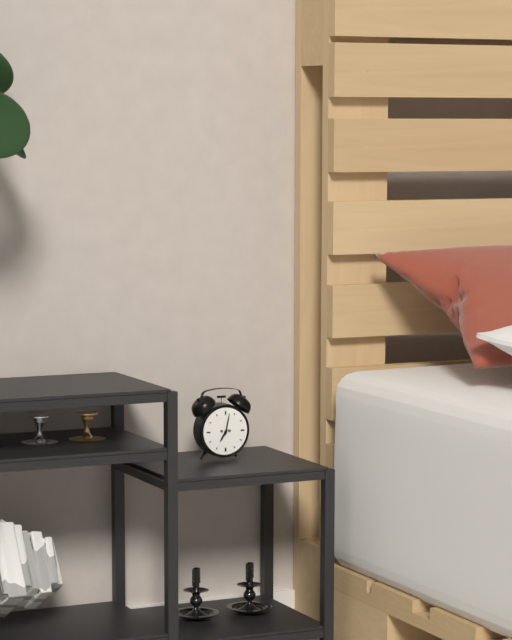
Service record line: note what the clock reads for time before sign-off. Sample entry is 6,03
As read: 7,02
